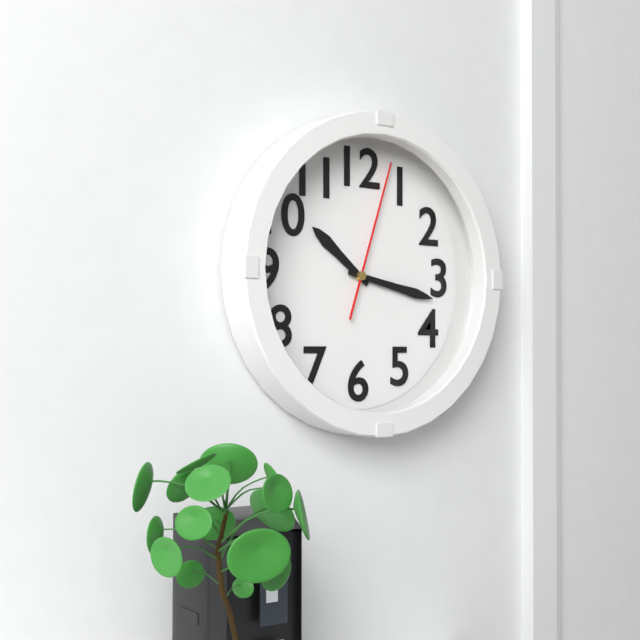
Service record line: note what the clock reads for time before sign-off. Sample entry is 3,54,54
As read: 10,17,03
